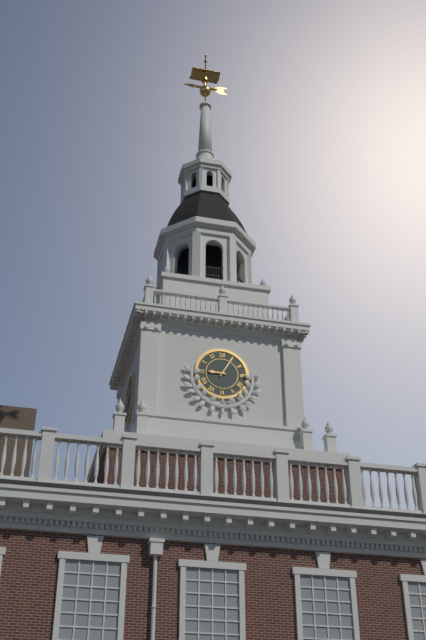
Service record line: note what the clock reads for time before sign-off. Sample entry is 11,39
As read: 9,05
